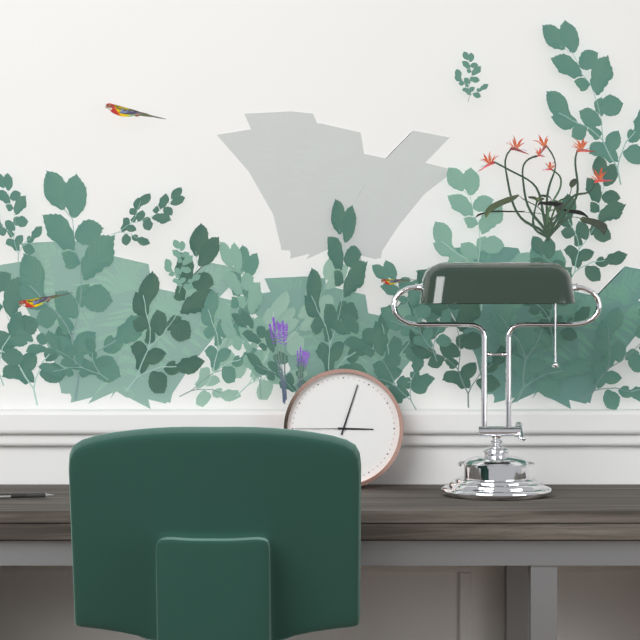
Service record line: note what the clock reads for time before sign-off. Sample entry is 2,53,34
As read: 3,03,45
